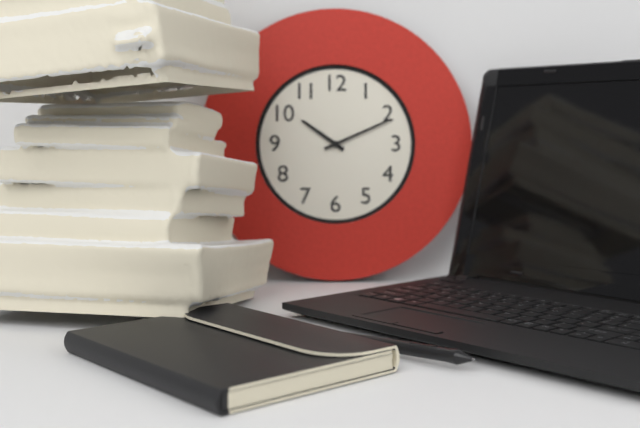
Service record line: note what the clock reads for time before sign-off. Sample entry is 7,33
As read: 10,11
